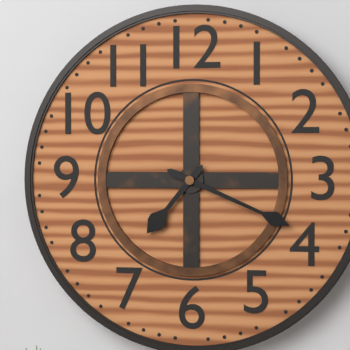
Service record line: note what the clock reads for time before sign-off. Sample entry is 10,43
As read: 7,19
